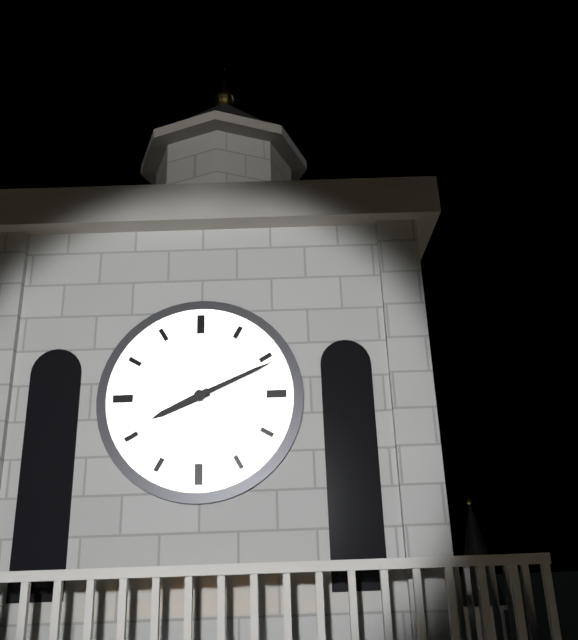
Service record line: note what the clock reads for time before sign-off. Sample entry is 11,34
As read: 8,11
